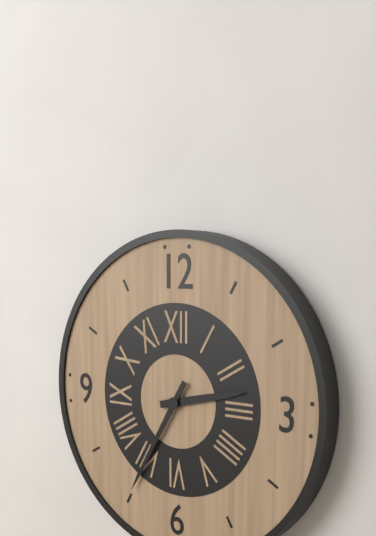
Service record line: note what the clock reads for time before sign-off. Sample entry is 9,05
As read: 2,35
